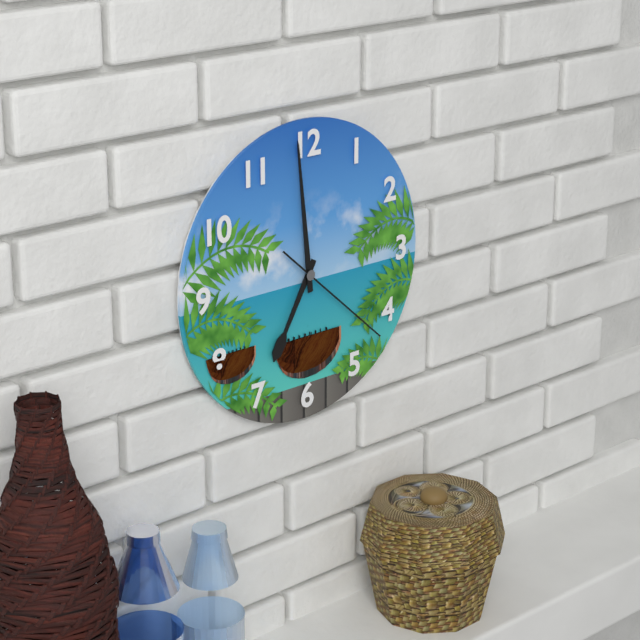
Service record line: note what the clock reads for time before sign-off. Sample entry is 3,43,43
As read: 6,59,22
